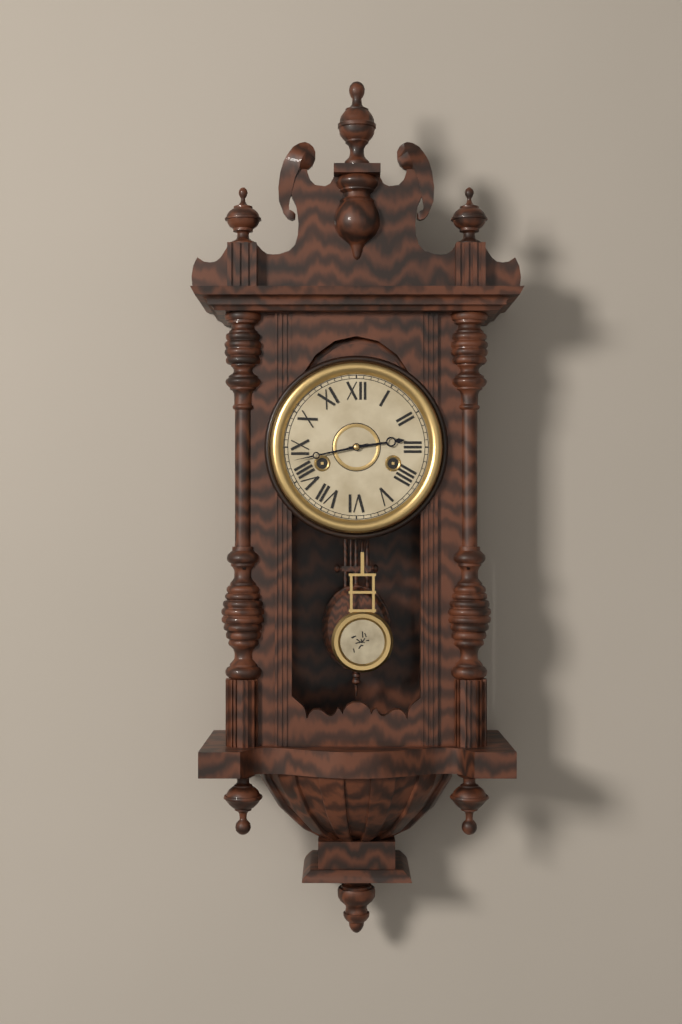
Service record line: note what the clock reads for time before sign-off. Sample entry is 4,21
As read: 2,43
